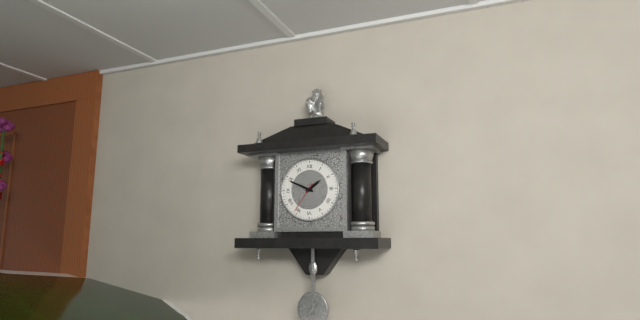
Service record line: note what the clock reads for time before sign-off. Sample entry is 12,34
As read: 1,49
